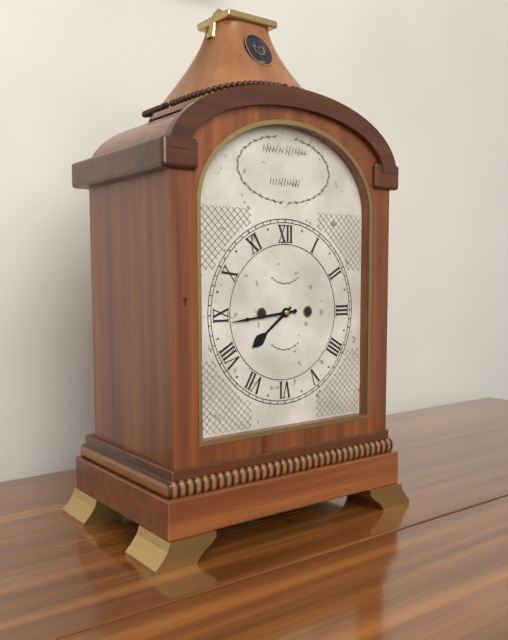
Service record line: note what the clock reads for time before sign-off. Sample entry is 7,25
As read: 7,44
